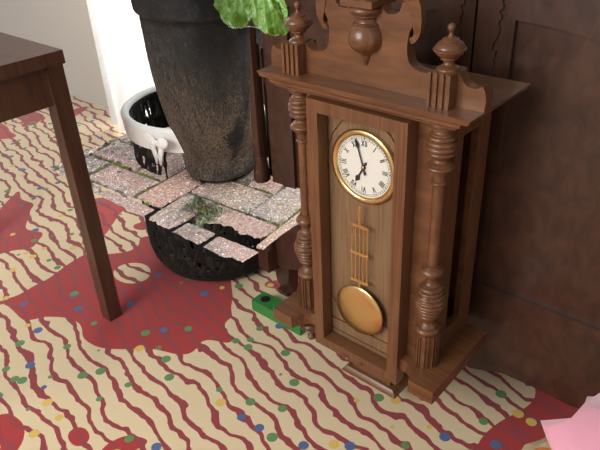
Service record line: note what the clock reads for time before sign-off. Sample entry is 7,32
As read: 6,57
